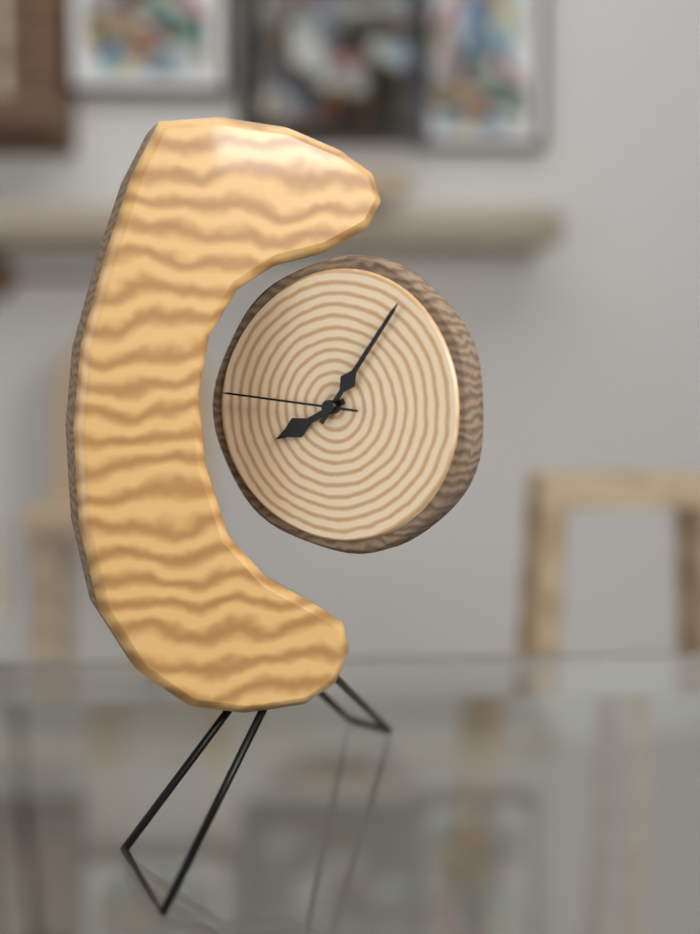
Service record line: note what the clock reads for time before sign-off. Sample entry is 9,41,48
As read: 8,06,46
